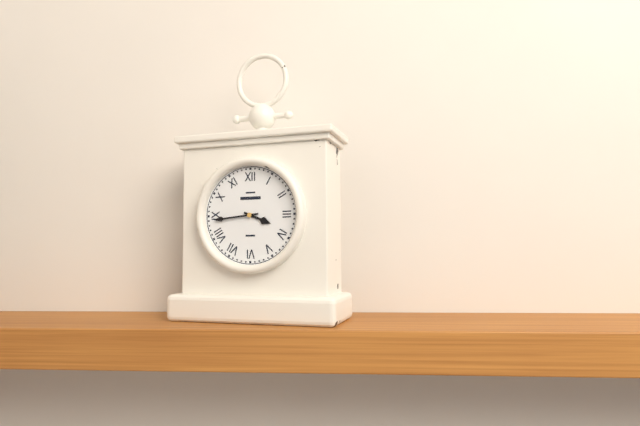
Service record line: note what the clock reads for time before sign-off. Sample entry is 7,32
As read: 3,44
